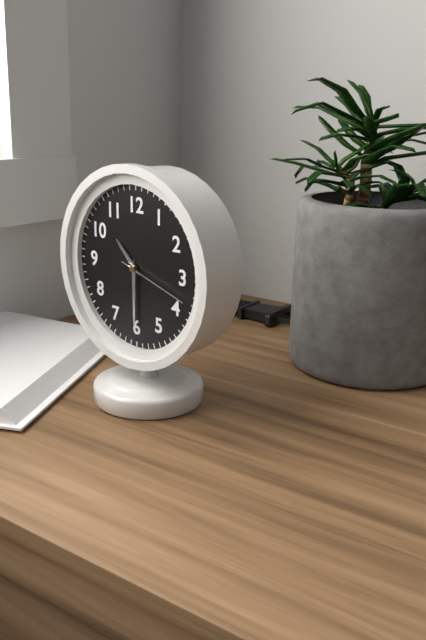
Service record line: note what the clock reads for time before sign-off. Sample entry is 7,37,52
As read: 10,30,18
